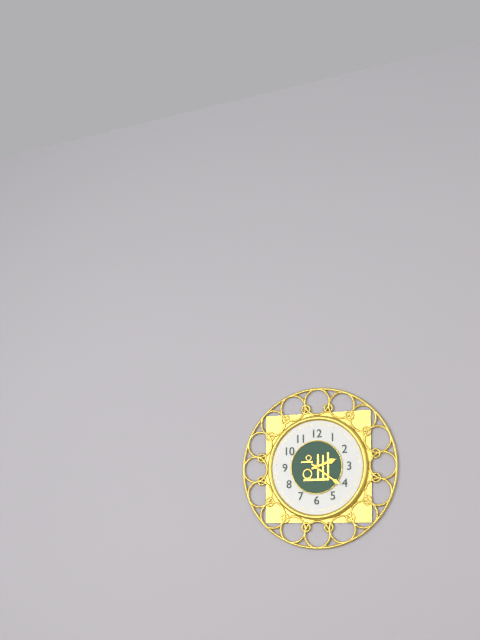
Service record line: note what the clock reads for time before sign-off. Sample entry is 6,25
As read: 2,21
